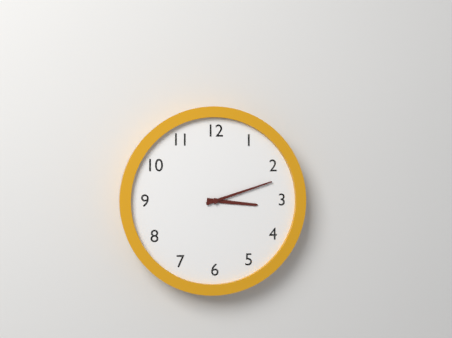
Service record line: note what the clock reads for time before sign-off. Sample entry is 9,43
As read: 3,12
